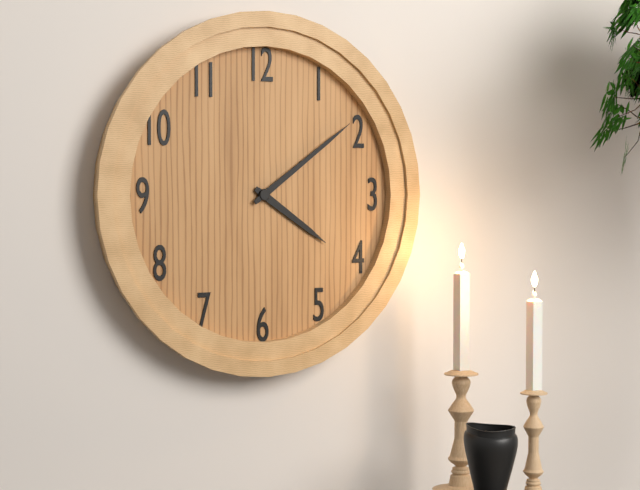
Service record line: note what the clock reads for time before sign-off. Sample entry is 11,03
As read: 4,09
